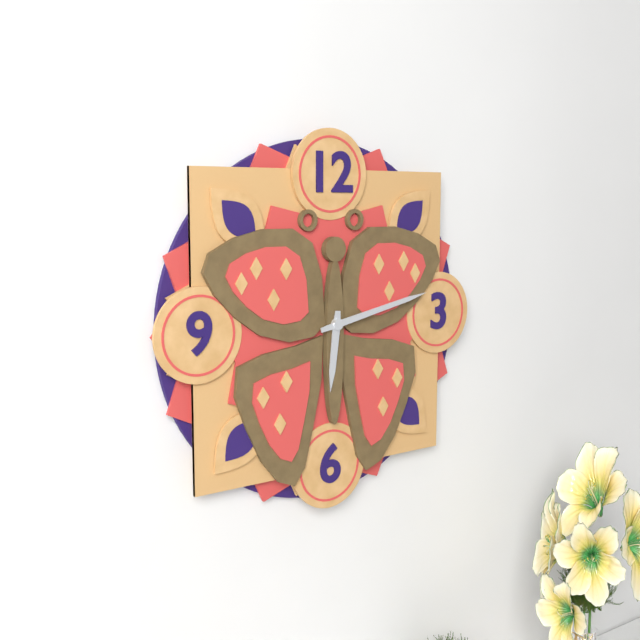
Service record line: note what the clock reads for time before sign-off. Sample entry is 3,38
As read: 6,13
